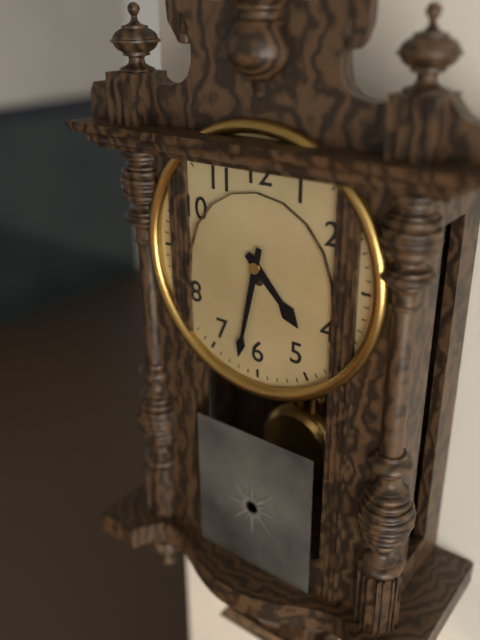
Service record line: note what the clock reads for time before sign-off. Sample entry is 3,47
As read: 4,32
